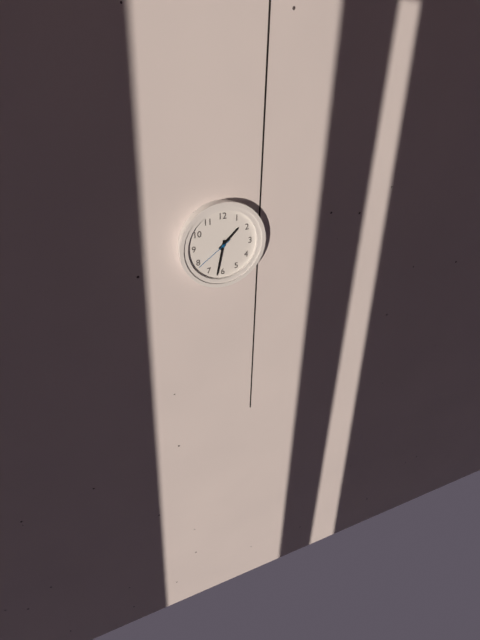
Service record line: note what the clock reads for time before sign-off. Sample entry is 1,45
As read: 1,32
